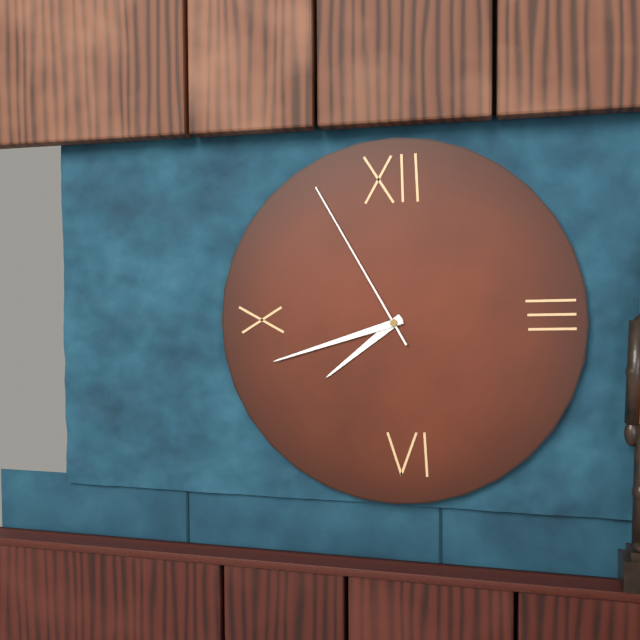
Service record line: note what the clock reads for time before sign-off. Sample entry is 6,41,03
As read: 7,42,55
